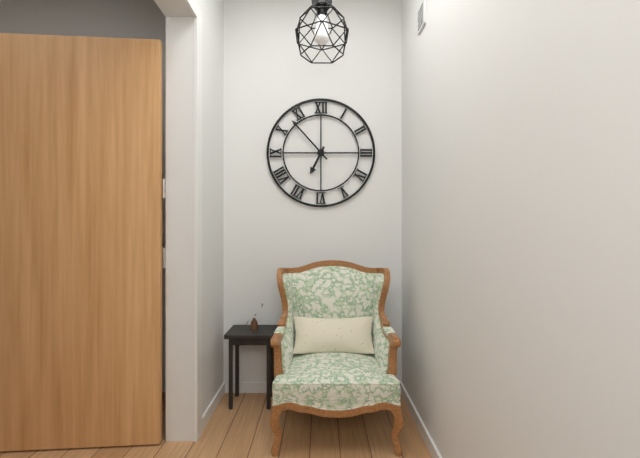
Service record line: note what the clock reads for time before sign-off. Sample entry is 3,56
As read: 6,53
